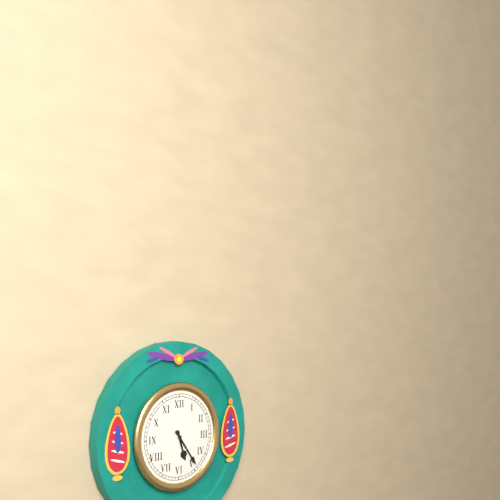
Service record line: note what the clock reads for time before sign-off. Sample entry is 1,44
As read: 5,24
